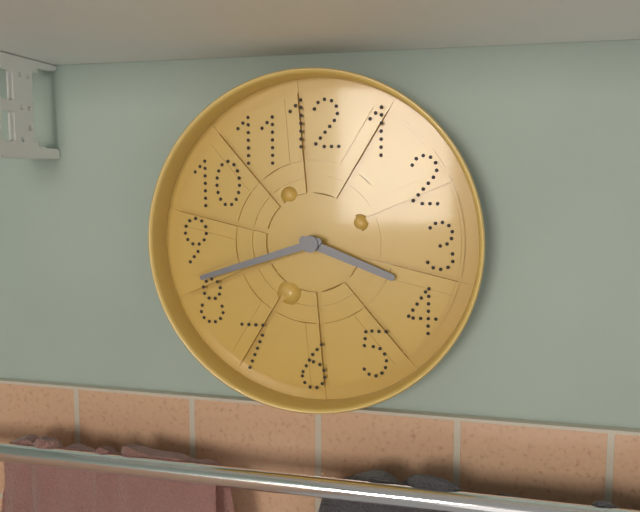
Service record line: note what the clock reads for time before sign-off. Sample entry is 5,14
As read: 3,42
